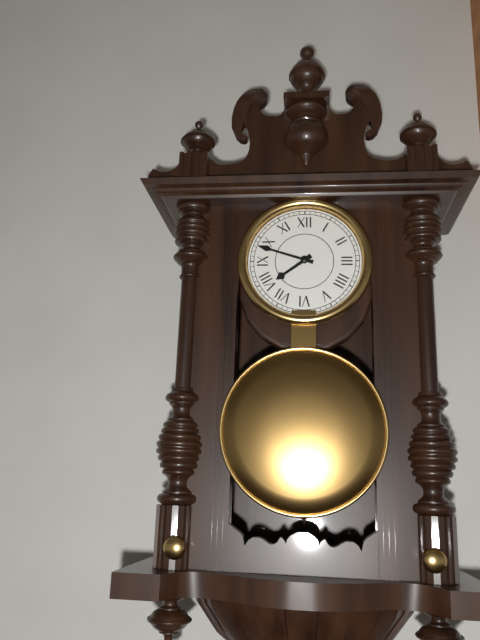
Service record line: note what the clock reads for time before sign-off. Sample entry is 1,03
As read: 7,48
